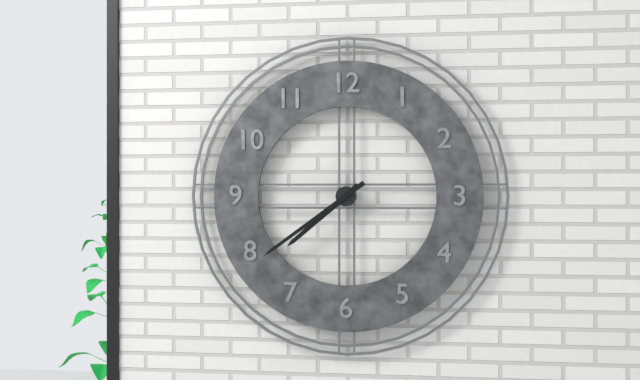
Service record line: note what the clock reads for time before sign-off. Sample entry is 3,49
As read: 7,39
